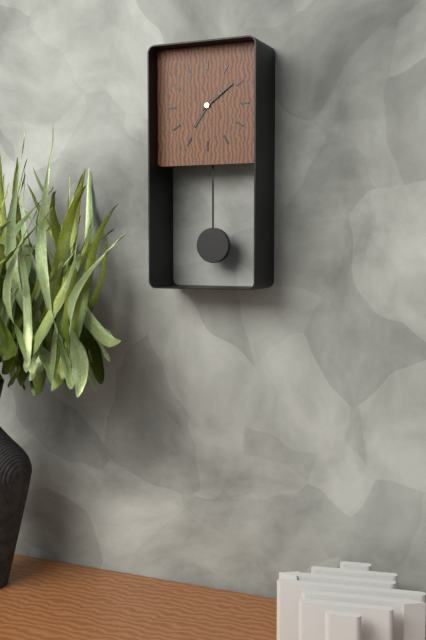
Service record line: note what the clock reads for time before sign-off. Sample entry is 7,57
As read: 7,09
